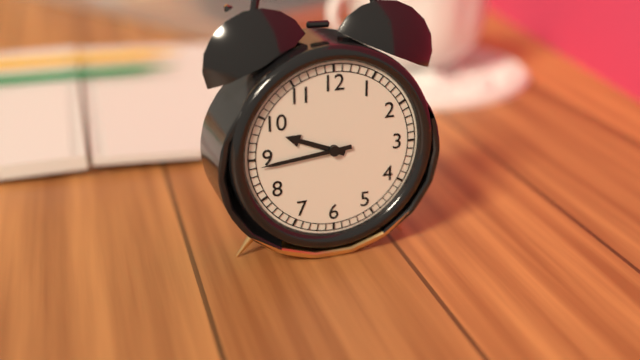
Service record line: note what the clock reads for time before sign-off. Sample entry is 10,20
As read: 9,44
